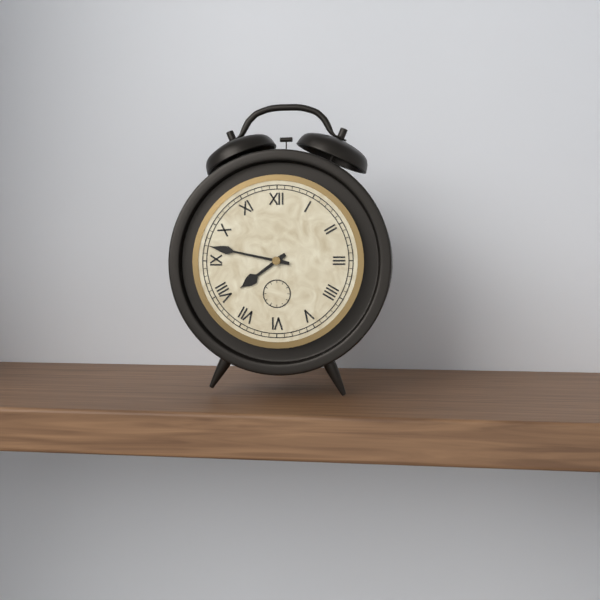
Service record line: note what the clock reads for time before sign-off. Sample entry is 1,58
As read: 7,47
